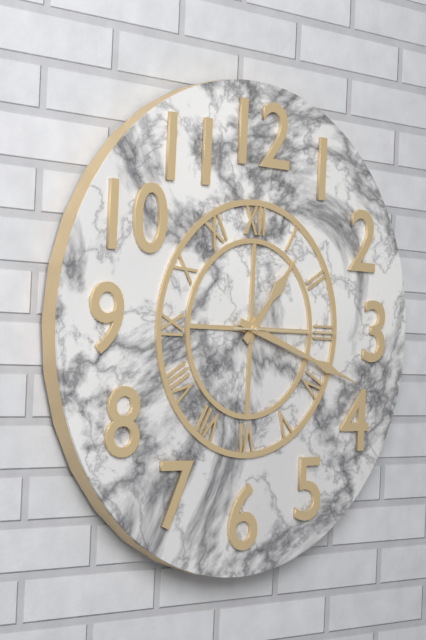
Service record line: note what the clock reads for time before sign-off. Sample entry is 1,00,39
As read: 1,18,15
